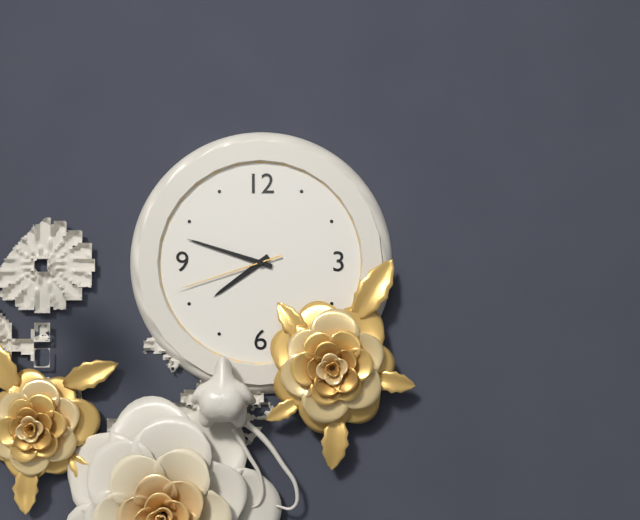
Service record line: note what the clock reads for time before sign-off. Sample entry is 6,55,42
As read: 7,48,42
